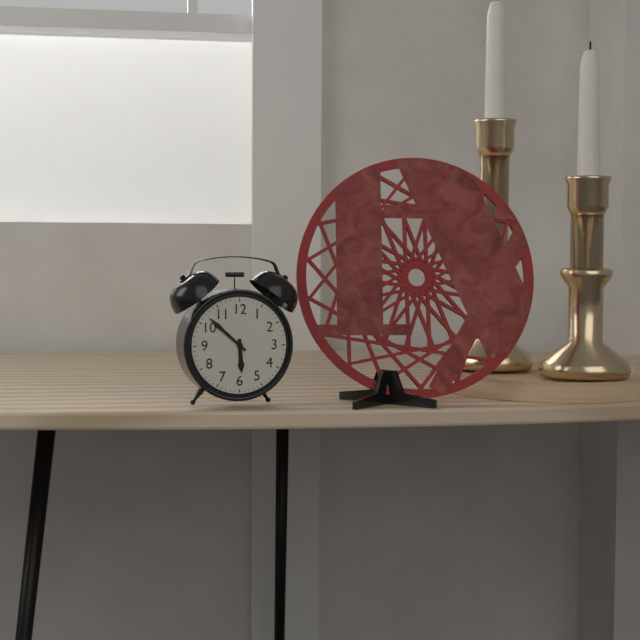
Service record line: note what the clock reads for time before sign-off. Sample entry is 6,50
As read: 5,52
